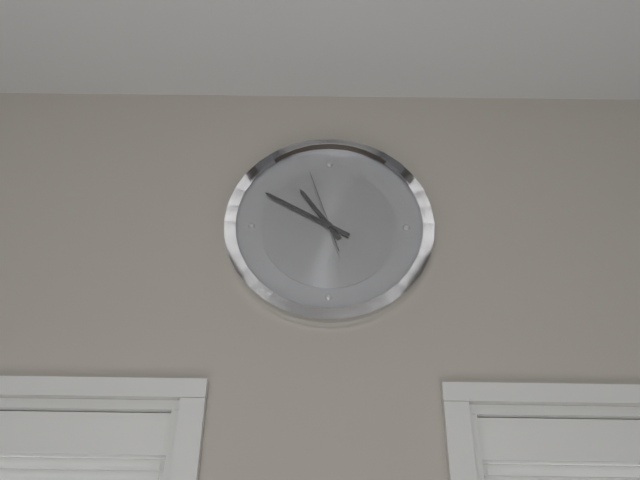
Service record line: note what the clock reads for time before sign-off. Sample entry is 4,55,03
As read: 10,50,57
